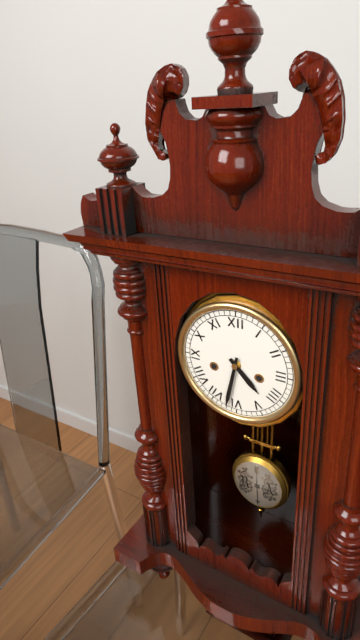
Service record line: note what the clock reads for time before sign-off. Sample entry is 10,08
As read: 4,32
